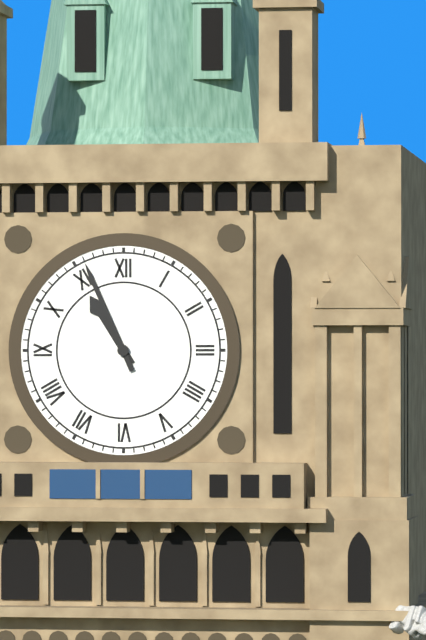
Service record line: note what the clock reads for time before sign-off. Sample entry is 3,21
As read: 10,56
